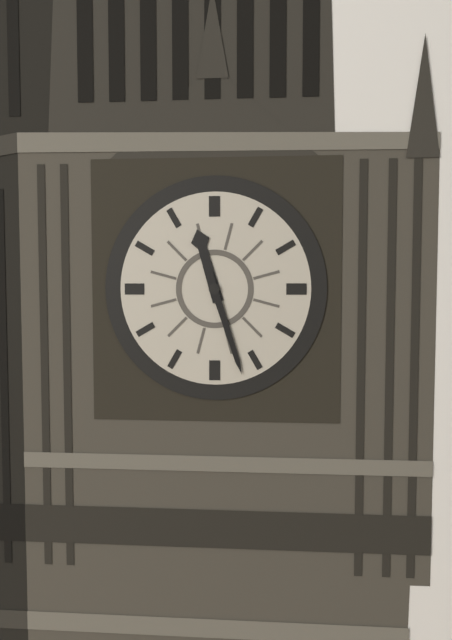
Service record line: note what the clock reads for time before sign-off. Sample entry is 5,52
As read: 11,27
